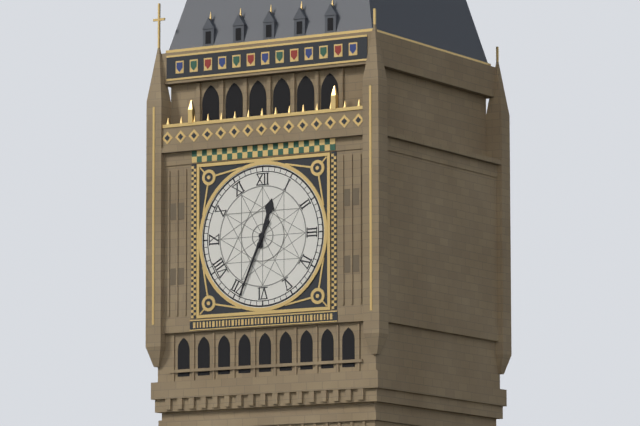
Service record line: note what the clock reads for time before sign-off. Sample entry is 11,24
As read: 12,34
